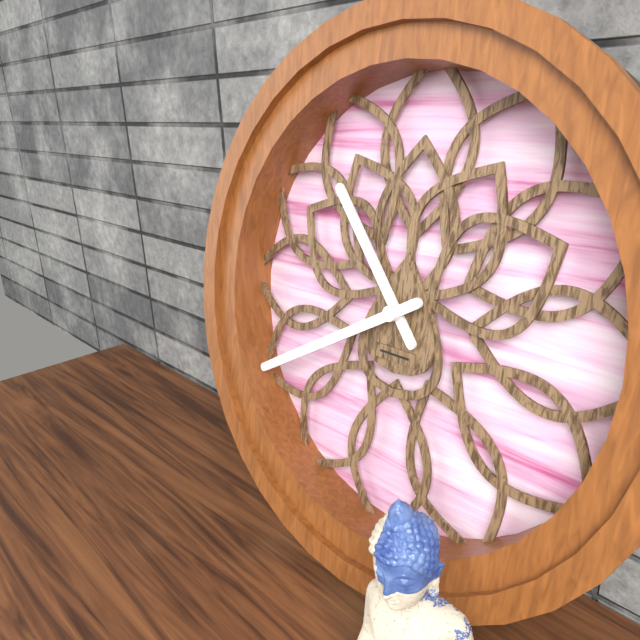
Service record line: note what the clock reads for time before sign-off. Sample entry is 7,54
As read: 10,40
